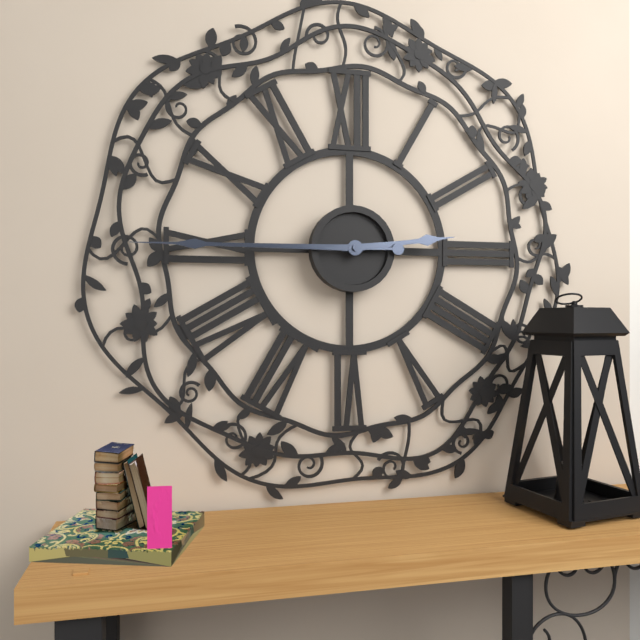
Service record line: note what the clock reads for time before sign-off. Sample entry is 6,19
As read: 2,45
